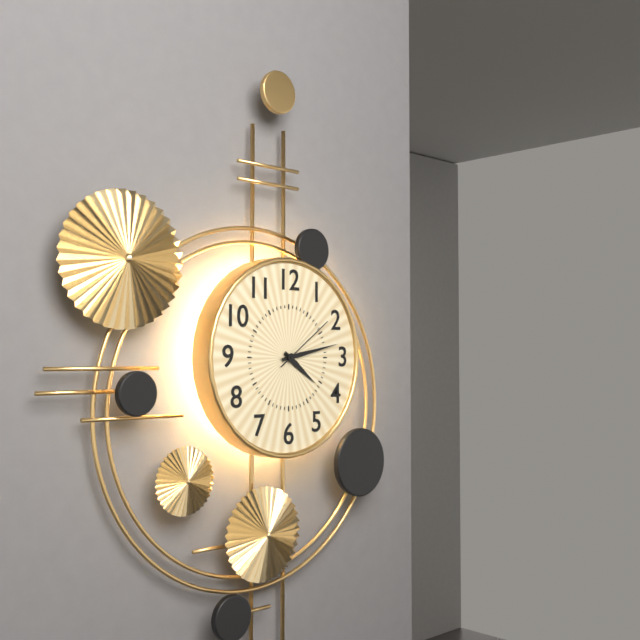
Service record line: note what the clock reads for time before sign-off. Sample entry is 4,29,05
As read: 4,13,09
